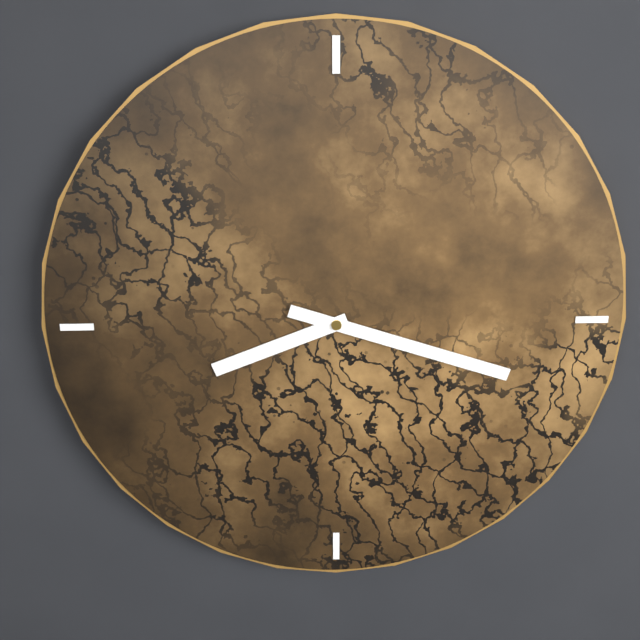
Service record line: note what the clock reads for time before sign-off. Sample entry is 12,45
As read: 8,18
